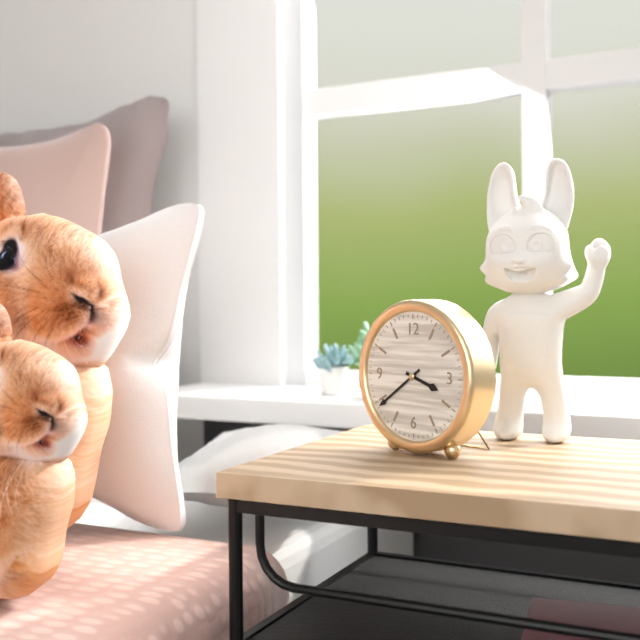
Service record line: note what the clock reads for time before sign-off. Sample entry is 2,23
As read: 3,39
